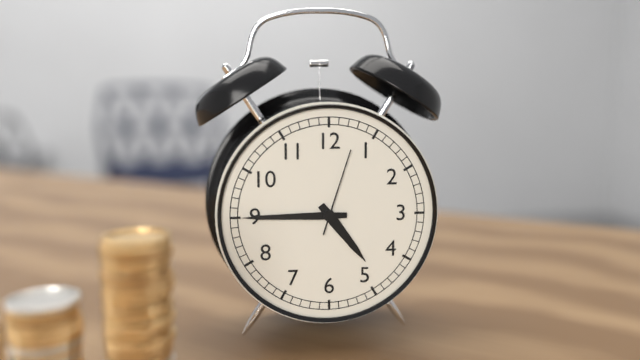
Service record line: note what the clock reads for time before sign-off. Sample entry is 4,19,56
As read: 4,45,03
